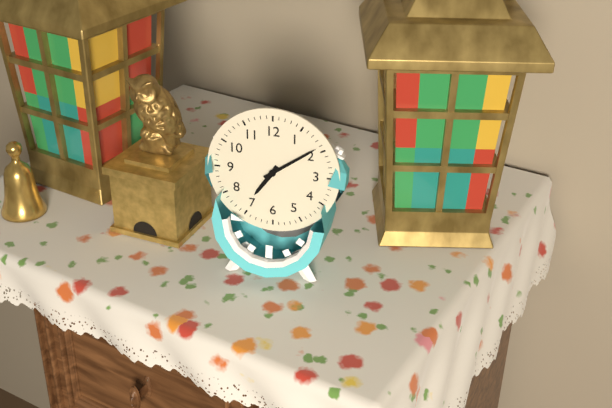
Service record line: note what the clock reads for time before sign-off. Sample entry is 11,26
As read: 7,09
